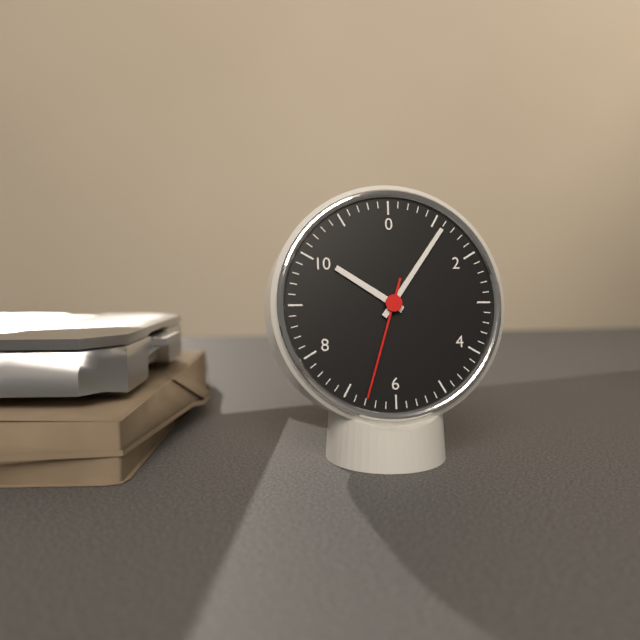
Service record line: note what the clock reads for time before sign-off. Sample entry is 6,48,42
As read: 10,06,33
